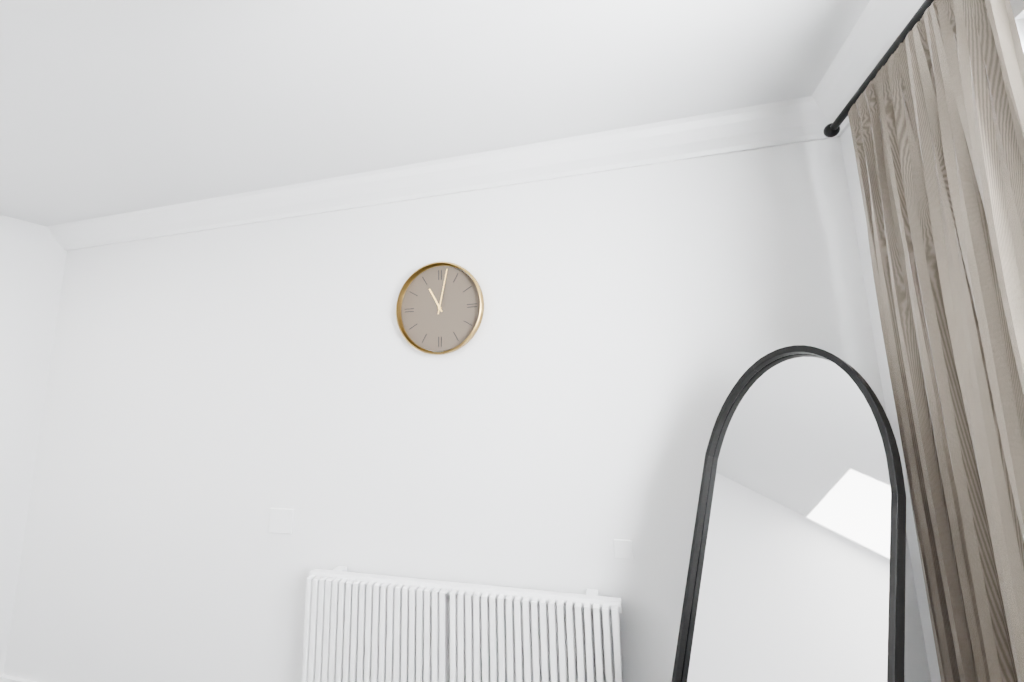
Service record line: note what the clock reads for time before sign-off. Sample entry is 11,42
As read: 11,02
